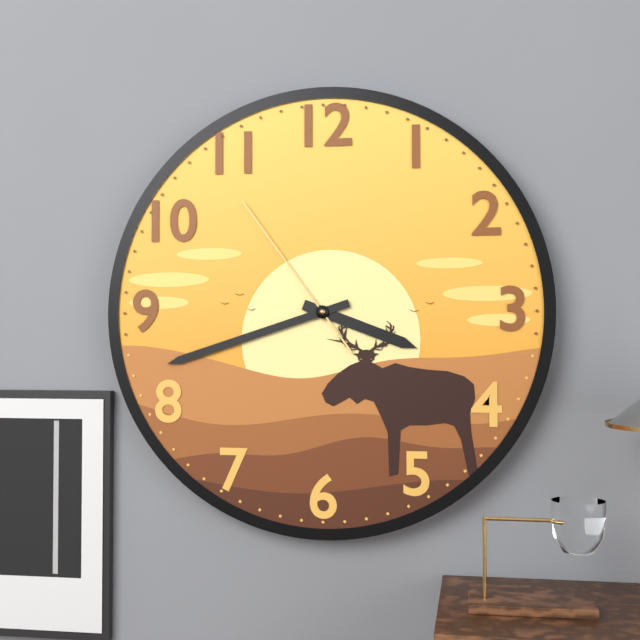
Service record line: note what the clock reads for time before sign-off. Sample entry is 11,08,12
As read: 3,42,54
